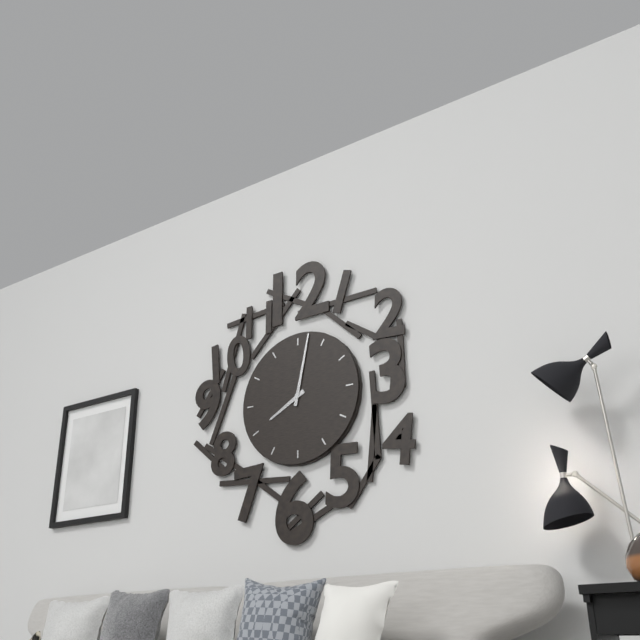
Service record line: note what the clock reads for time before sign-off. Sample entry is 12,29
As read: 8,02
